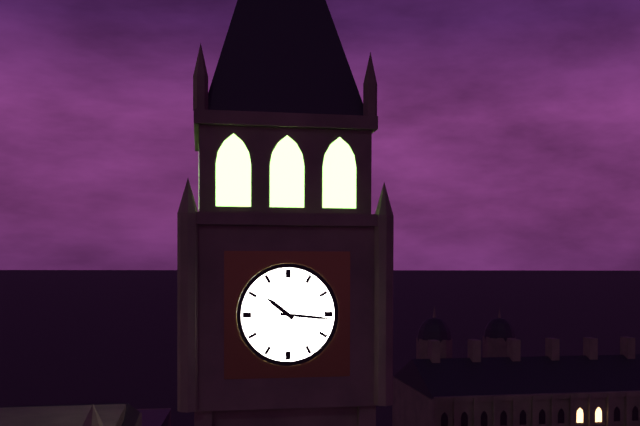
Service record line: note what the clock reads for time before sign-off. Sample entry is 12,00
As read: 10,16
